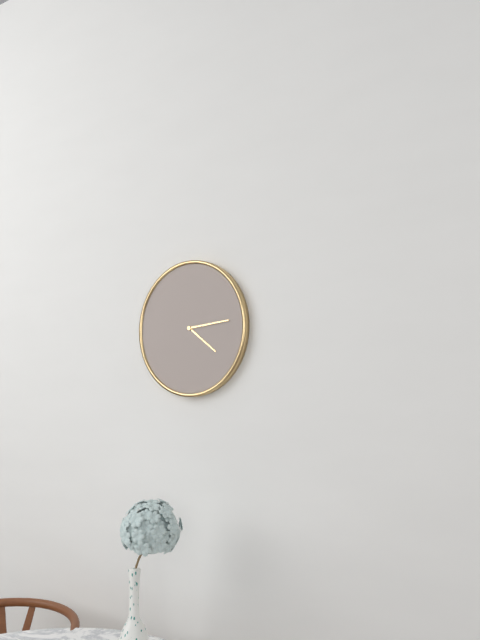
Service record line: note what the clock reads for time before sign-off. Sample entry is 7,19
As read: 4,14
